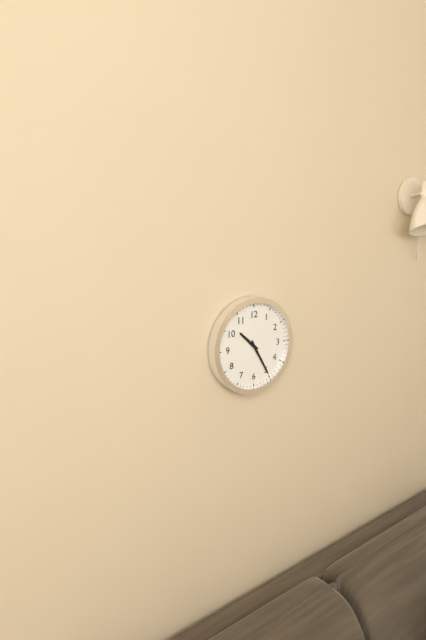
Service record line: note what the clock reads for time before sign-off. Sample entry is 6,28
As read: 10,25
